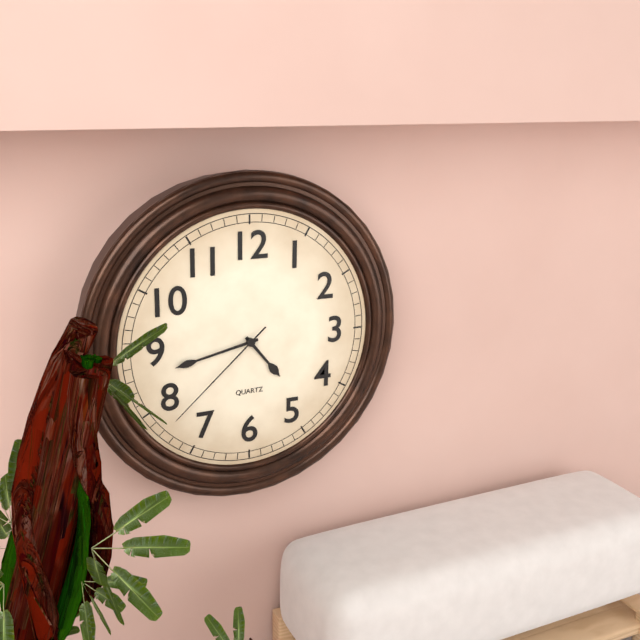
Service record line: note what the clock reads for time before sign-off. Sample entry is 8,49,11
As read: 4,43,38
